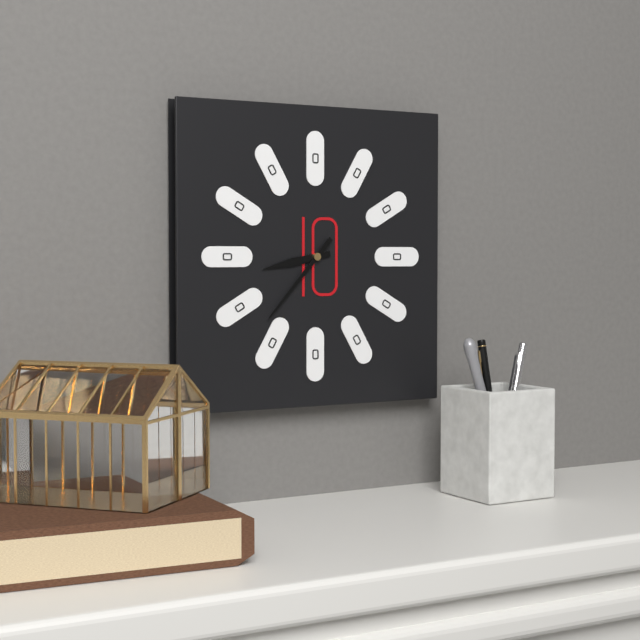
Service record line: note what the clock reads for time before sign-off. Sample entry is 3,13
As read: 8,37
